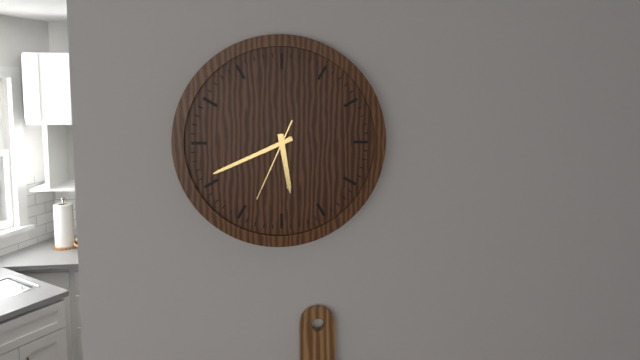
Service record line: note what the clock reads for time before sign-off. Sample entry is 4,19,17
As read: 5,41,34
